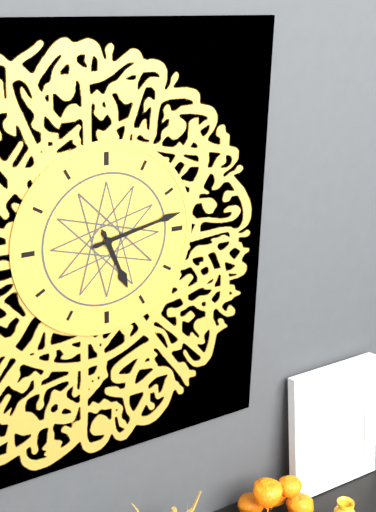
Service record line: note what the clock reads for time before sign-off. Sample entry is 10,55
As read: 5,13
